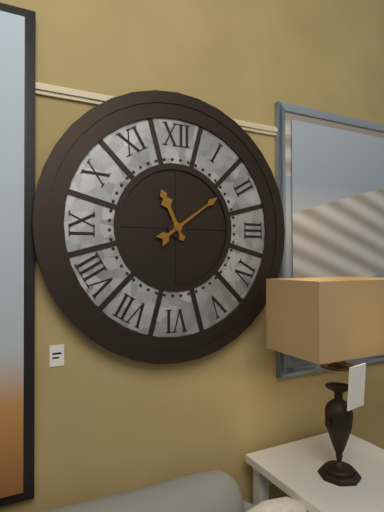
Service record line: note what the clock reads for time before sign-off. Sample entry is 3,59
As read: 11,09
